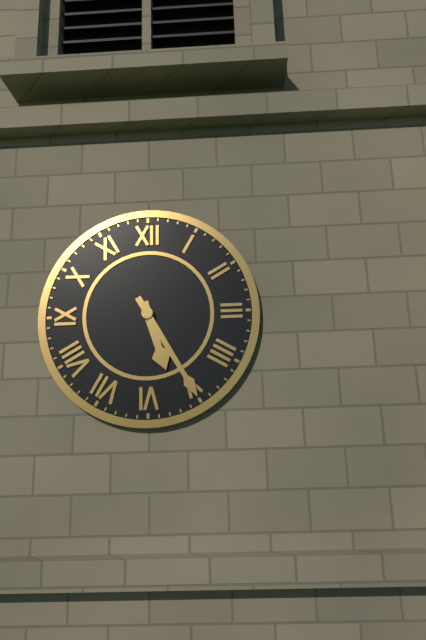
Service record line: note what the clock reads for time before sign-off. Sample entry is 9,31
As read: 5,25
